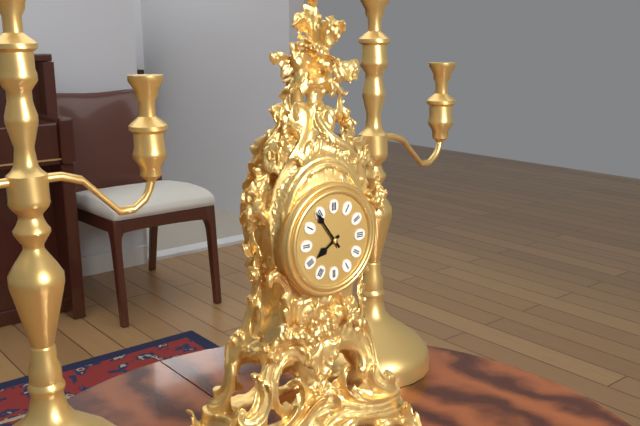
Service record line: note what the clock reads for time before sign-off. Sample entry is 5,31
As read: 7,54
